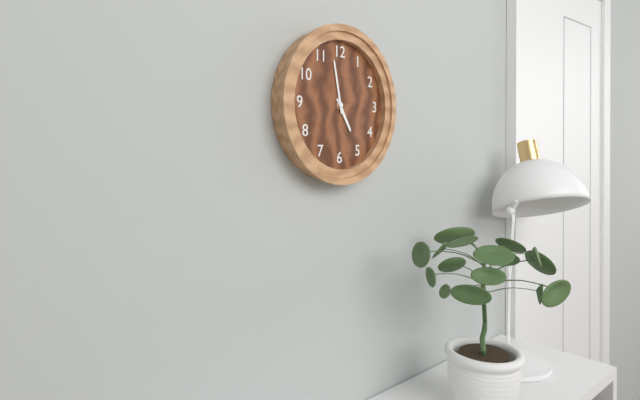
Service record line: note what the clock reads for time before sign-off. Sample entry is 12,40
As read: 4,58
